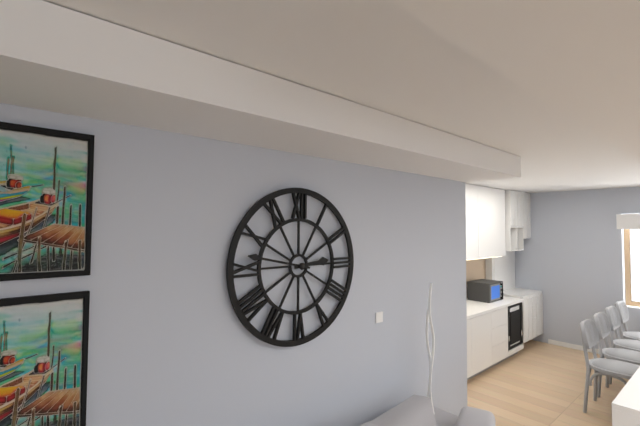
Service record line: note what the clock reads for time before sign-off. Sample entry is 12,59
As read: 2,47
